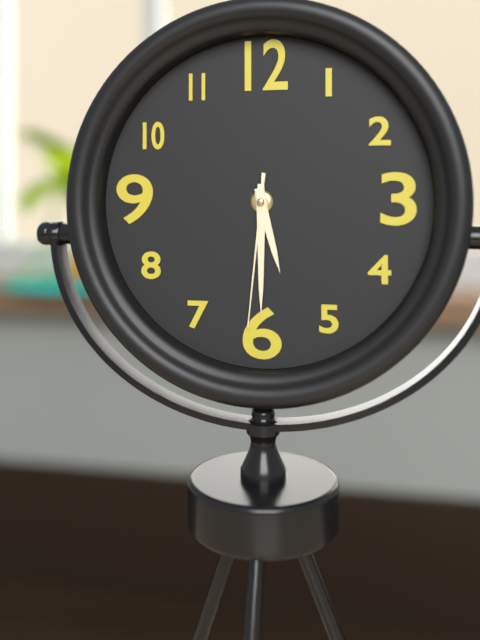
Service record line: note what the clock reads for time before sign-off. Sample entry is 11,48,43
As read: 5,30,31
